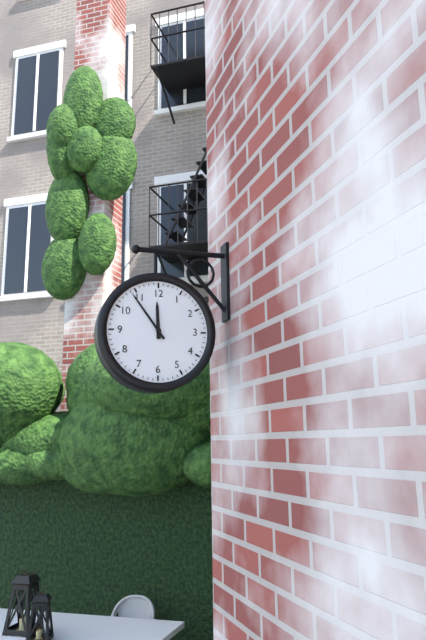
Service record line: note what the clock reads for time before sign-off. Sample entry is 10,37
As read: 11,54
